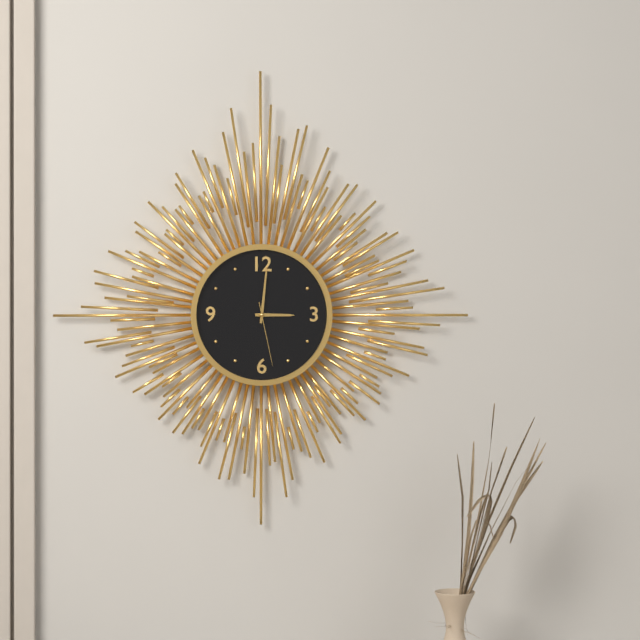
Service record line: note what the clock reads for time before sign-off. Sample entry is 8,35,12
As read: 3,01,28
